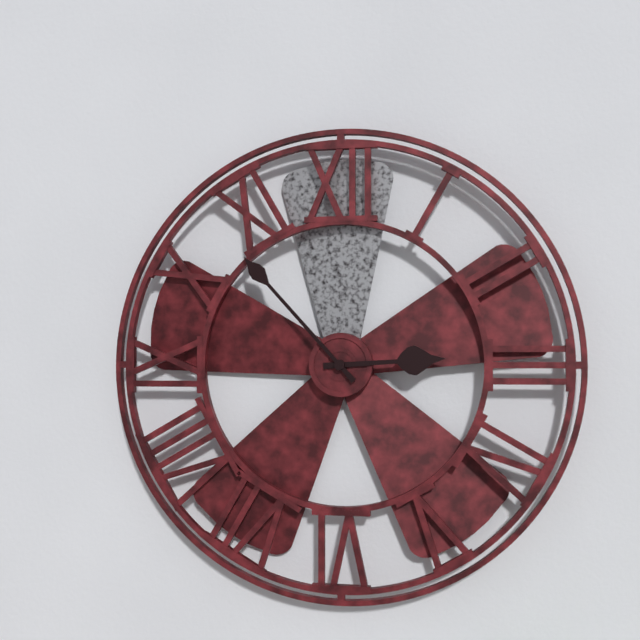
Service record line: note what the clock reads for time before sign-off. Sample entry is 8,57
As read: 2,53
